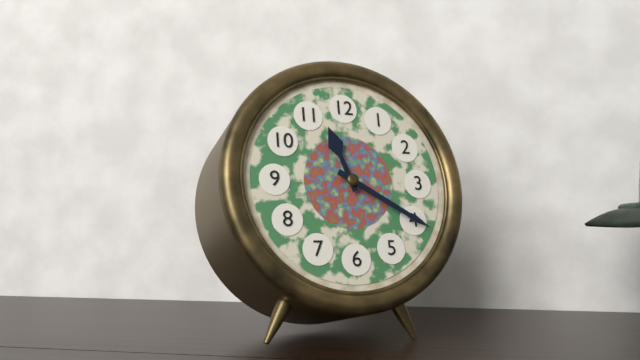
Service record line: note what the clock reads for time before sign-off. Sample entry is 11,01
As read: 11,20
